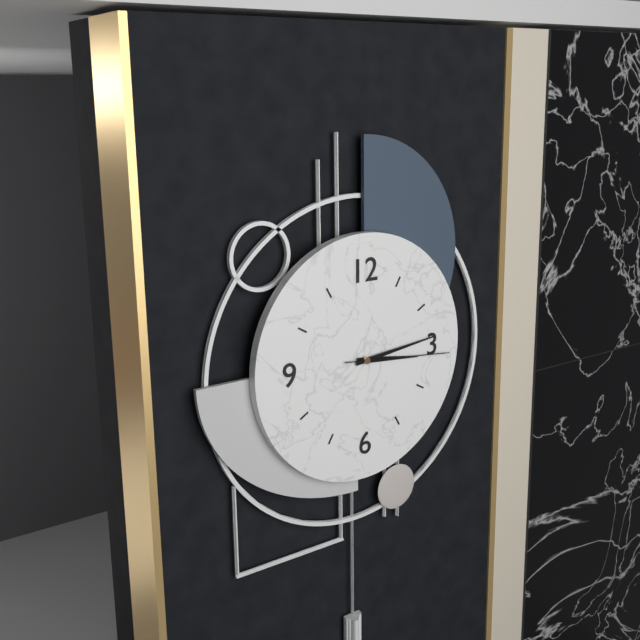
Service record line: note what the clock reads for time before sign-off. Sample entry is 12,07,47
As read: 3,14,16
